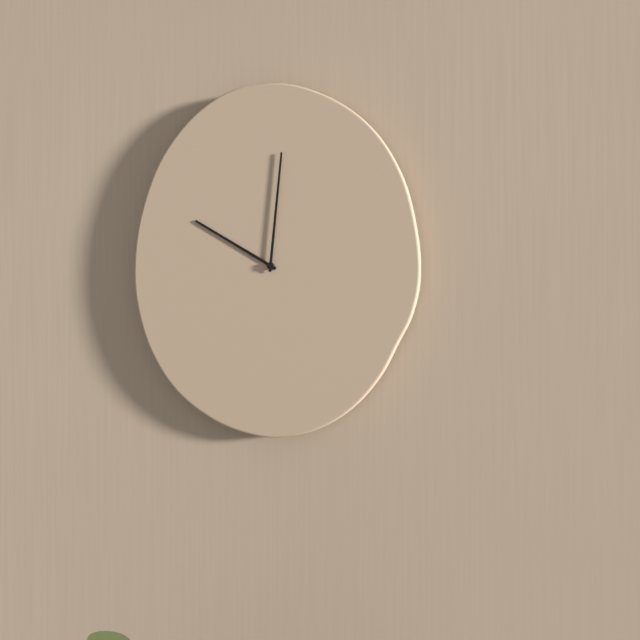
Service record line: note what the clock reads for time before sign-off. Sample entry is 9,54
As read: 10,01
